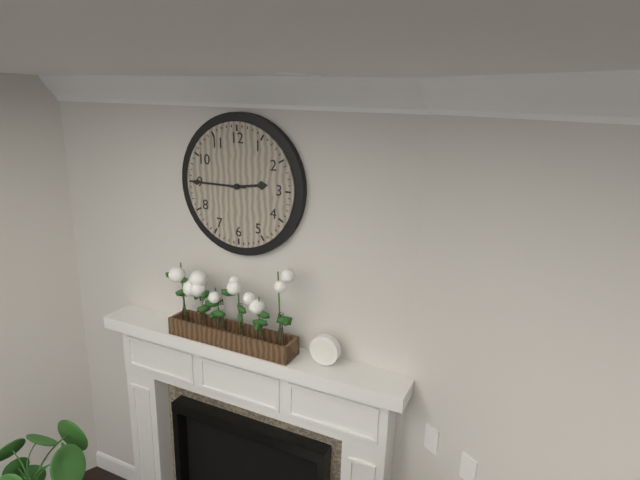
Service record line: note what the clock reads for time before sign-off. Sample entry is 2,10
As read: 2,45
